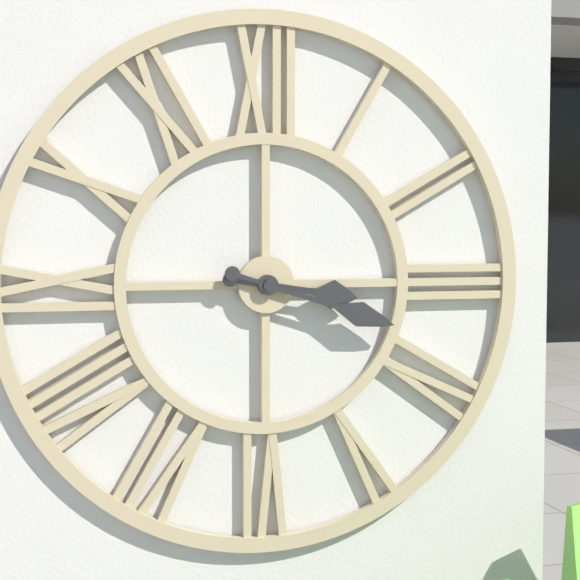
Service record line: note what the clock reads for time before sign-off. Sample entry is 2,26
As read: 3,18
